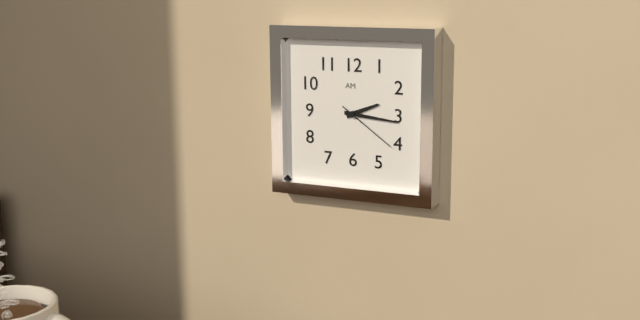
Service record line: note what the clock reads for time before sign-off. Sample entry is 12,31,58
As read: 2,16,21
